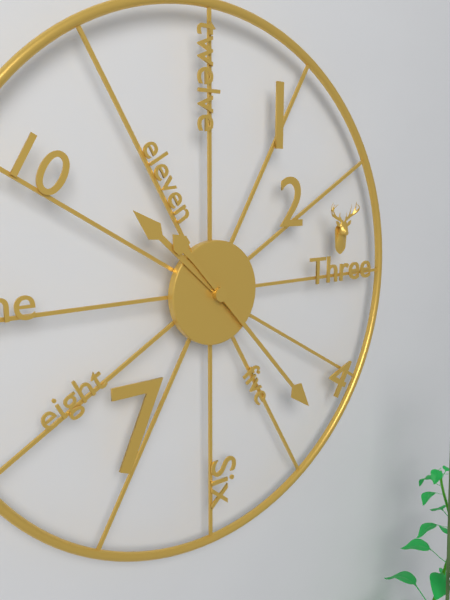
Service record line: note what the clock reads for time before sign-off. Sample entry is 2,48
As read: 10,23
